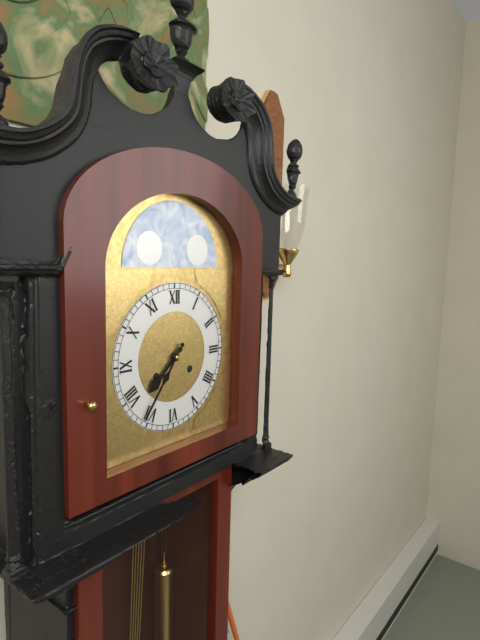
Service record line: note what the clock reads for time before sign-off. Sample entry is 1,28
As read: 7,36
